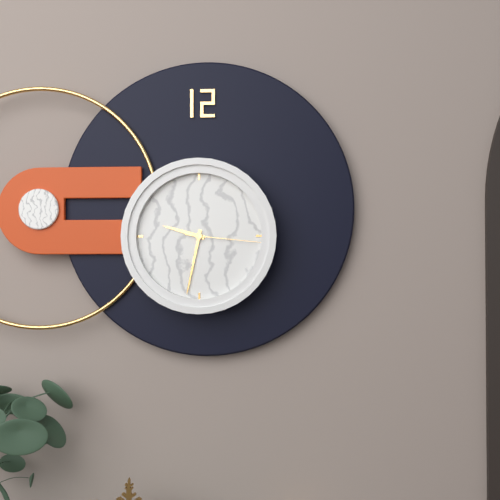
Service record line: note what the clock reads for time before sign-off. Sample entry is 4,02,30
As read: 9,32,16
